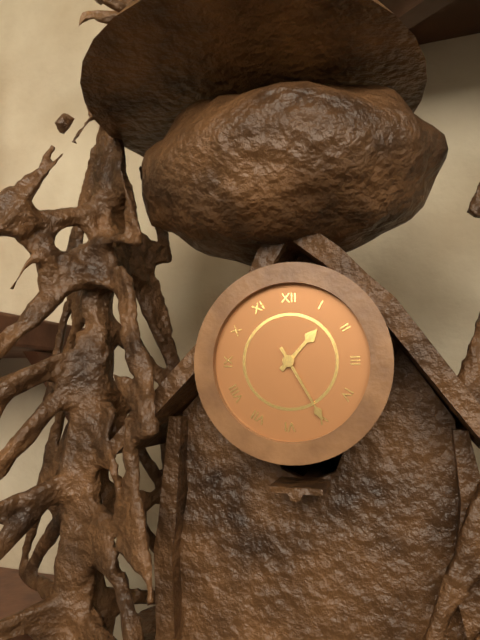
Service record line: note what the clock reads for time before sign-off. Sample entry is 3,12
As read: 1,25
